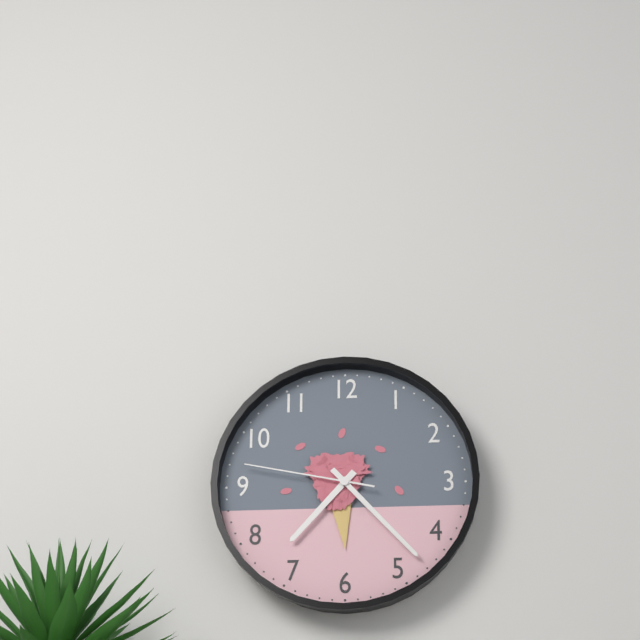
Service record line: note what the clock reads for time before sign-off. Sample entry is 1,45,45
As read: 7,23,47
